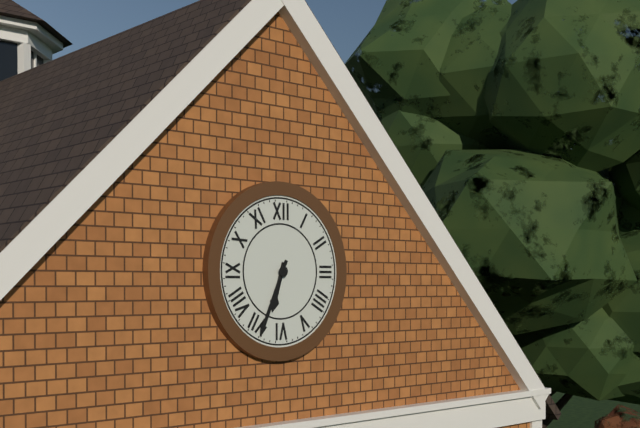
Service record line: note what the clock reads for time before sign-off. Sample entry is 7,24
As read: 6,34
